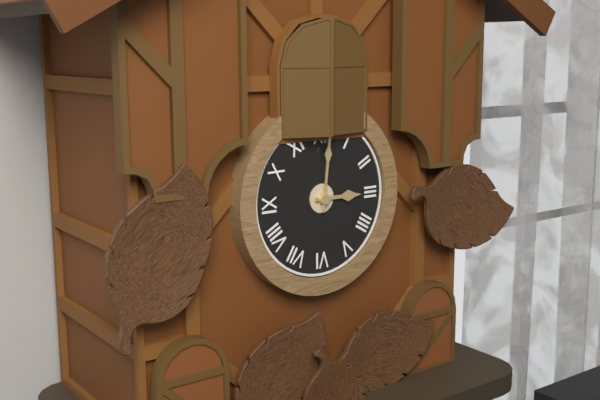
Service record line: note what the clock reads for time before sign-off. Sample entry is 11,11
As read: 3,01
